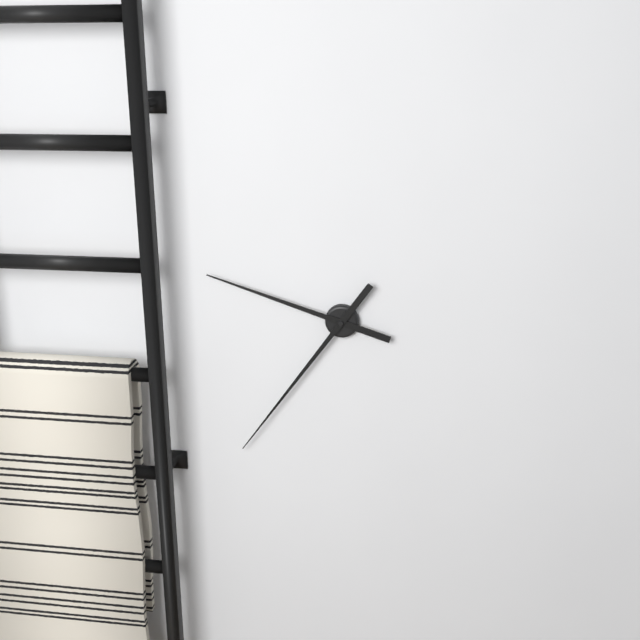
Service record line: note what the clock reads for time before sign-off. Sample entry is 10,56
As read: 9,36
